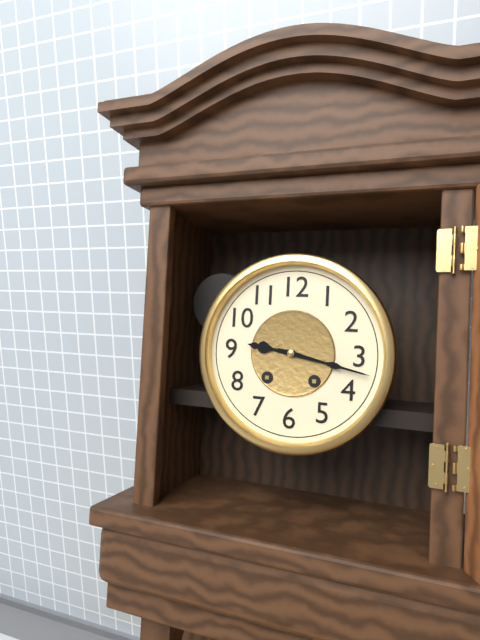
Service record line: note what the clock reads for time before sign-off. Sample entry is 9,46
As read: 9,17
